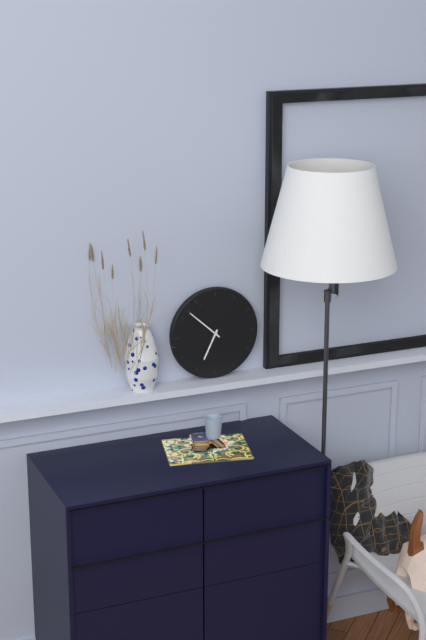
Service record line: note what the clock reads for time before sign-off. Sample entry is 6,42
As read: 6,52
